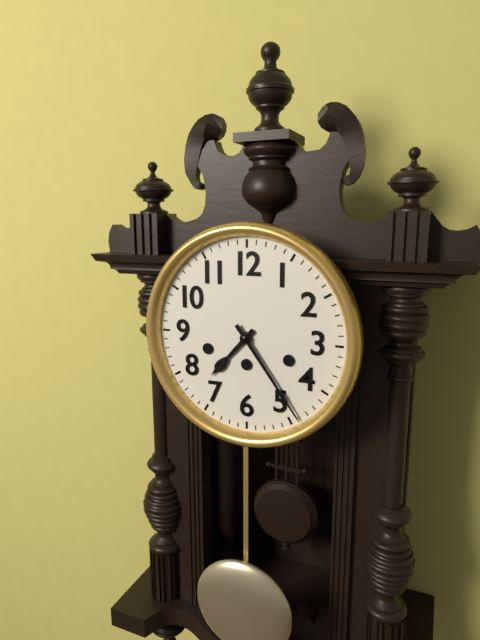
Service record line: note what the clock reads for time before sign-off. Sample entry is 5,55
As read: 7,24
